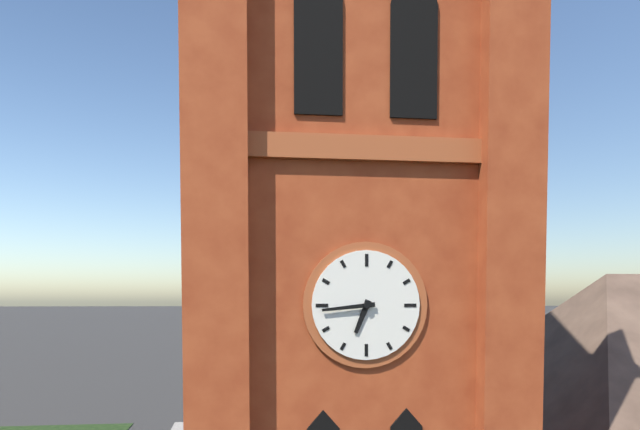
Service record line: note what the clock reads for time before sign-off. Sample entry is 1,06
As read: 6,44
